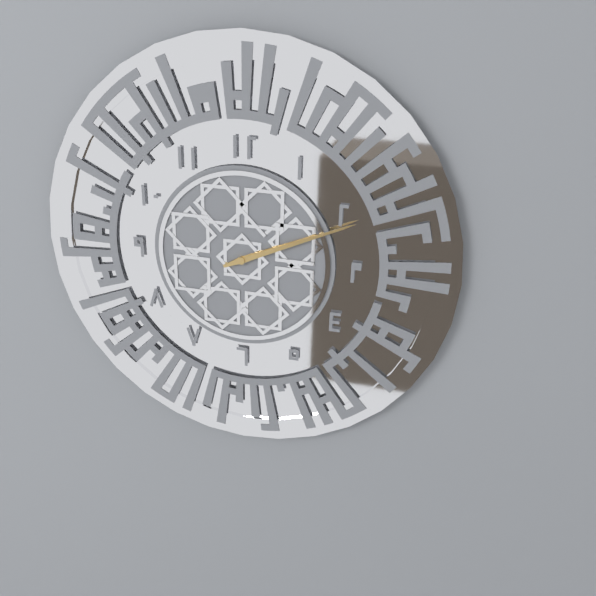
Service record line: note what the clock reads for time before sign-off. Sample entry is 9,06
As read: 2,11
